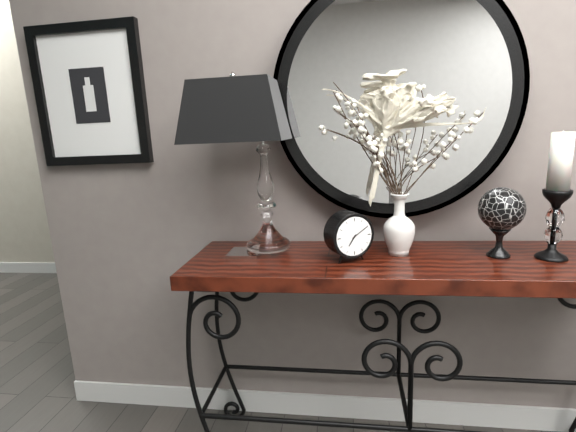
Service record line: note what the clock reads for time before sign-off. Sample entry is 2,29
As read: 7,10
